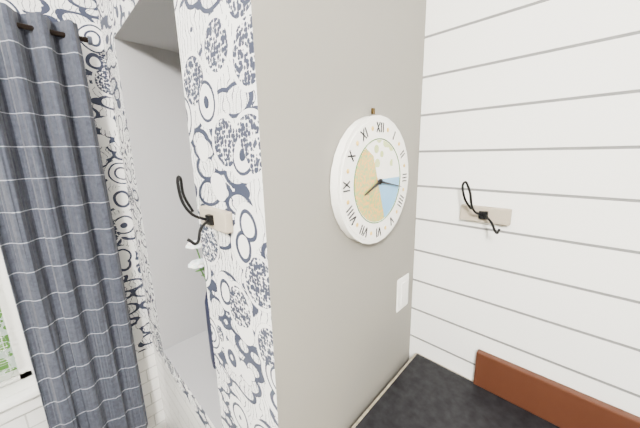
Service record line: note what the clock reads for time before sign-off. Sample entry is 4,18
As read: 8,17
